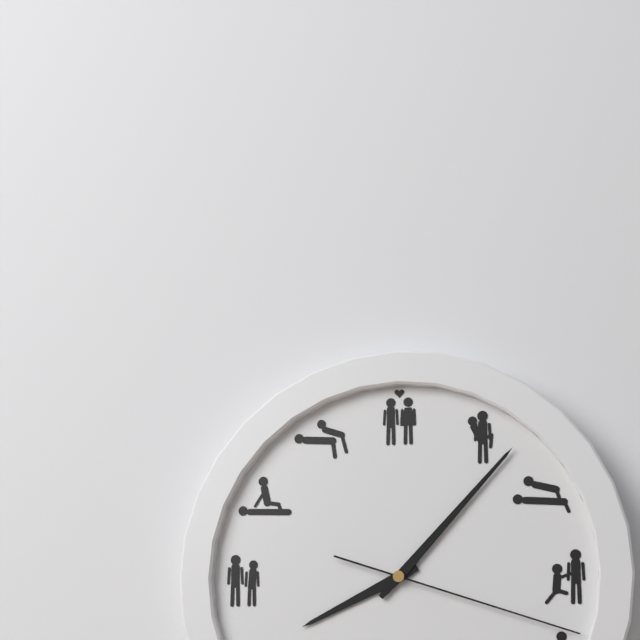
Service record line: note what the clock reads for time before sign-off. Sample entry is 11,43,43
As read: 8,07,18
